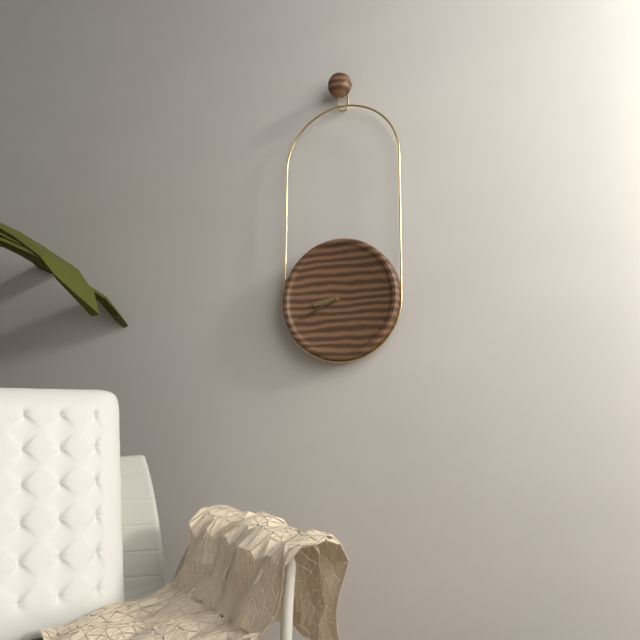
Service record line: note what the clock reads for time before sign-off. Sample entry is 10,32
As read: 8,41
